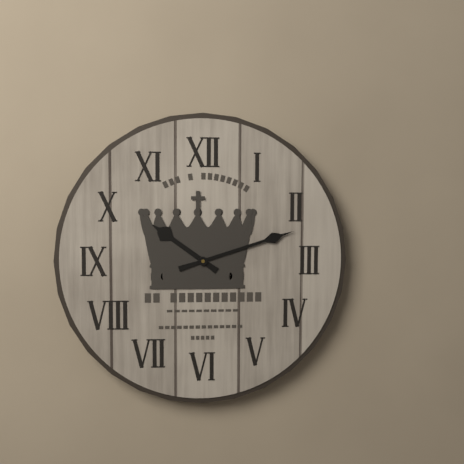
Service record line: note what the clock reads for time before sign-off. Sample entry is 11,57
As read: 10,12
